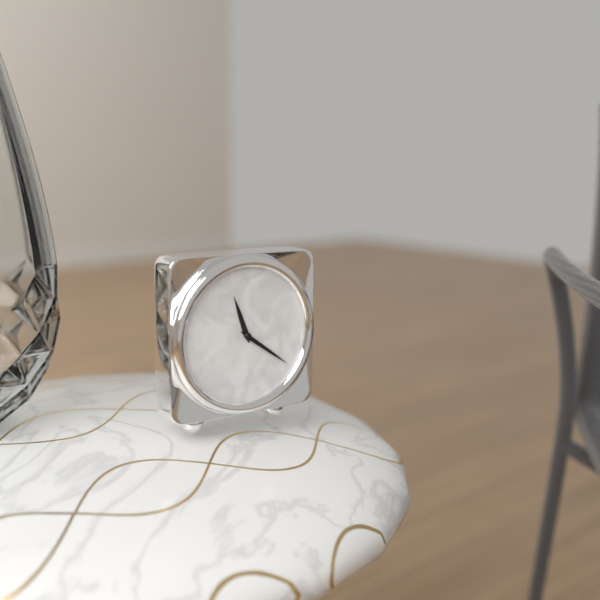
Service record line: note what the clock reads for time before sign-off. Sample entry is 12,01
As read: 11,21
